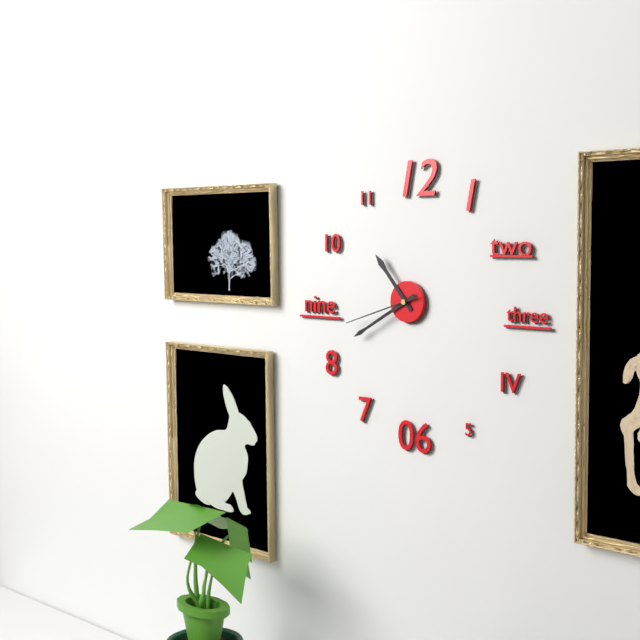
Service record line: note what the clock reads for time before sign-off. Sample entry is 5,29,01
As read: 10,40,42
